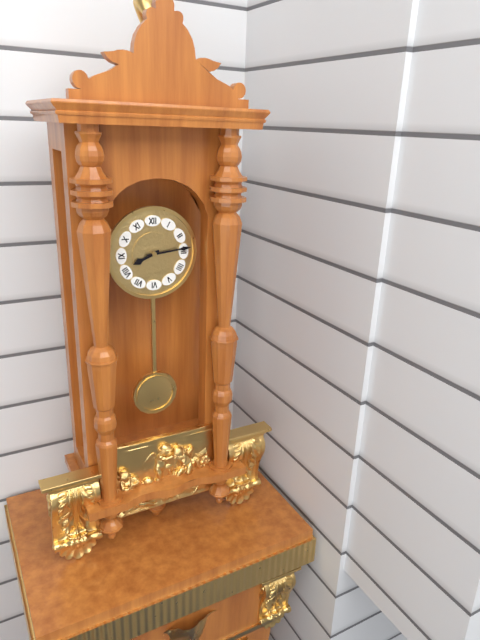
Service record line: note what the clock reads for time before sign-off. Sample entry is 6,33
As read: 8,14
